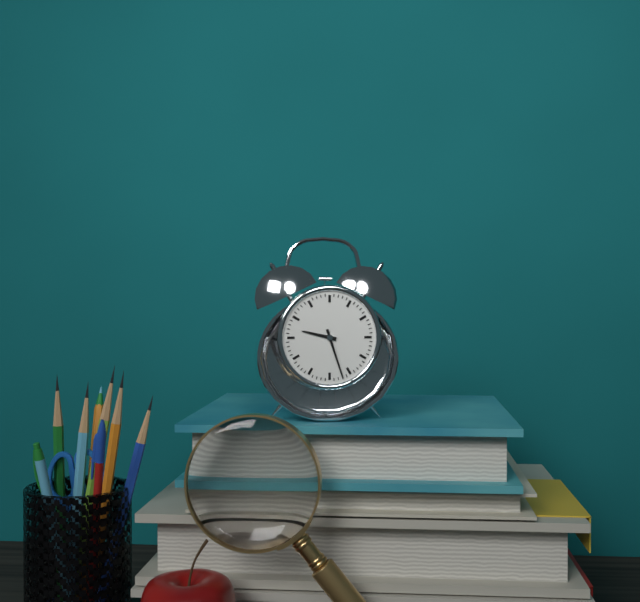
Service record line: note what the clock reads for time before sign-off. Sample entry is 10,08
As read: 9,27
